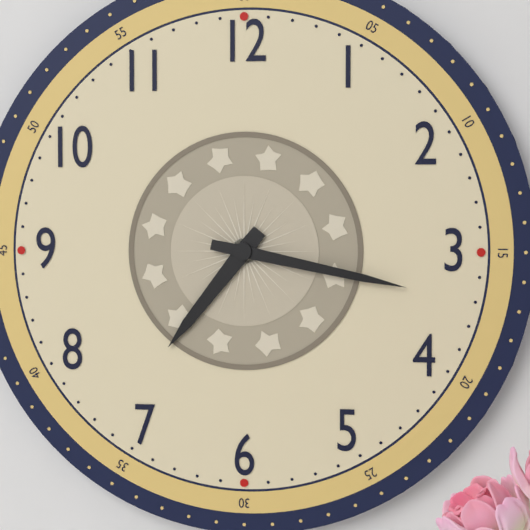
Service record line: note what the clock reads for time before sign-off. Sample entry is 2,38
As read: 7,17
